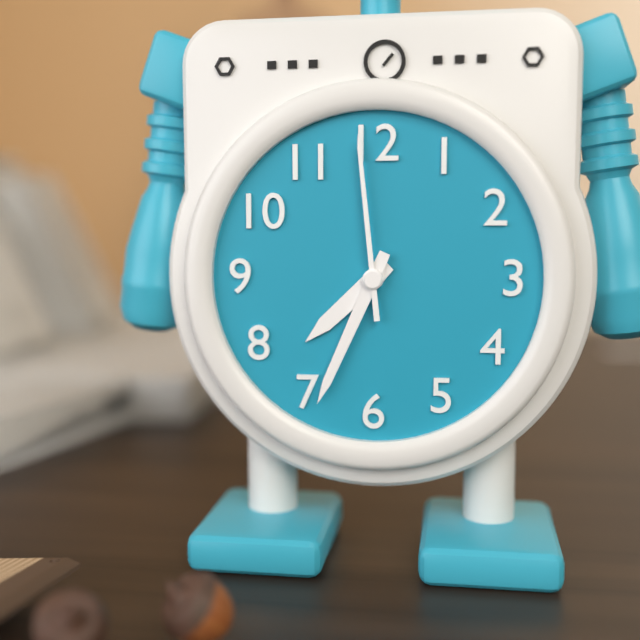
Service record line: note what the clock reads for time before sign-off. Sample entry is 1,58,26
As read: 7,34,59
